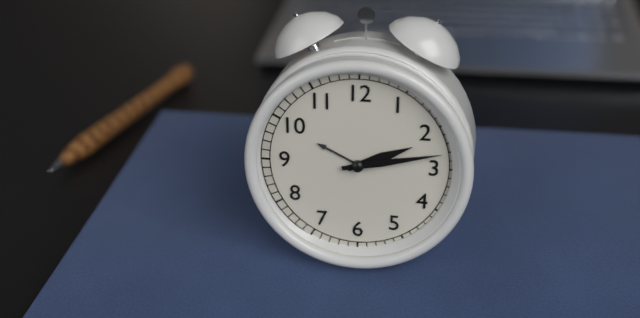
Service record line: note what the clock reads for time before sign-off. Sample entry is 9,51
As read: 2,13
